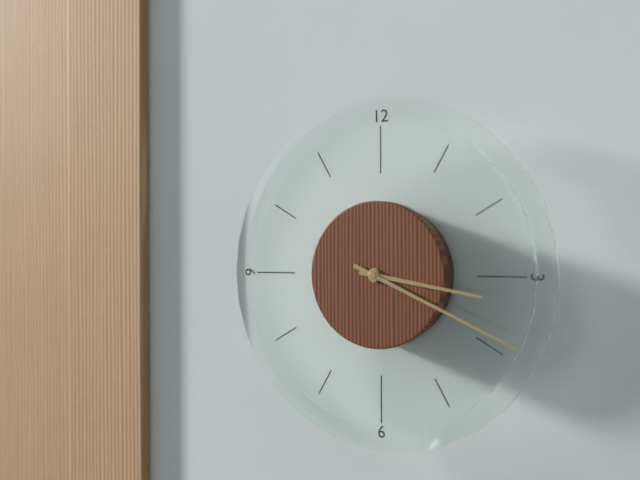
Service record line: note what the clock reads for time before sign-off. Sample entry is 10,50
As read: 3,19
